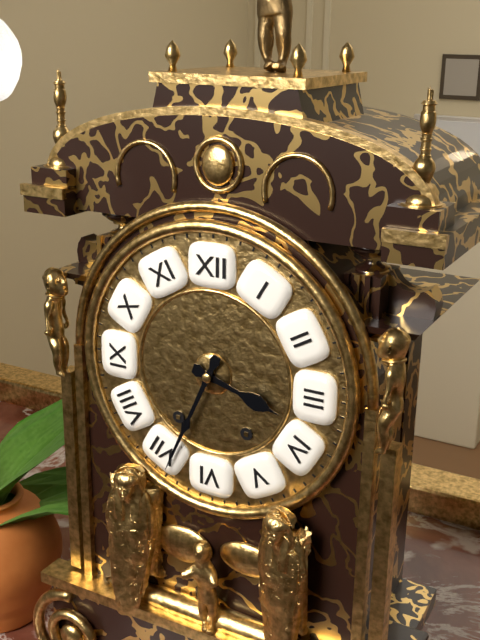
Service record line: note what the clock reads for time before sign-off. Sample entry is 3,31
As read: 3,34
